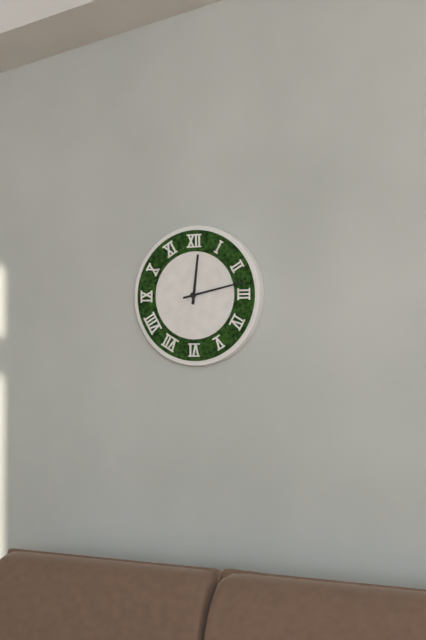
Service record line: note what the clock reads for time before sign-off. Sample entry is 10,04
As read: 12,13
